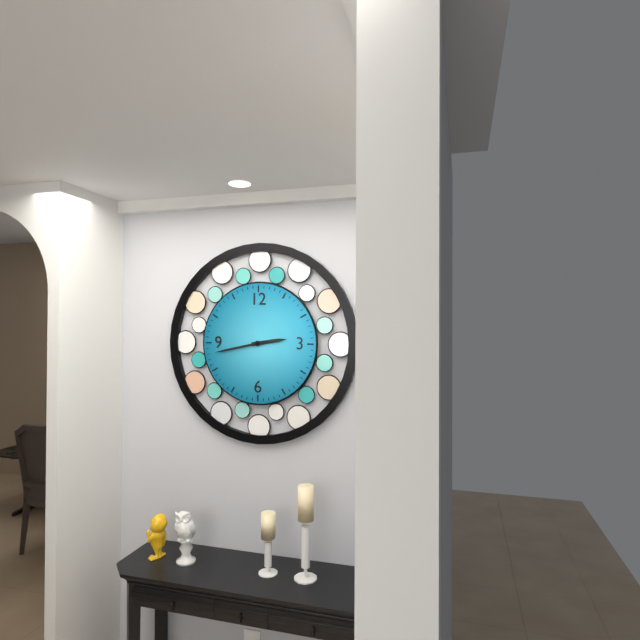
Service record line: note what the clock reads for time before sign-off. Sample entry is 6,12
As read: 2,43
